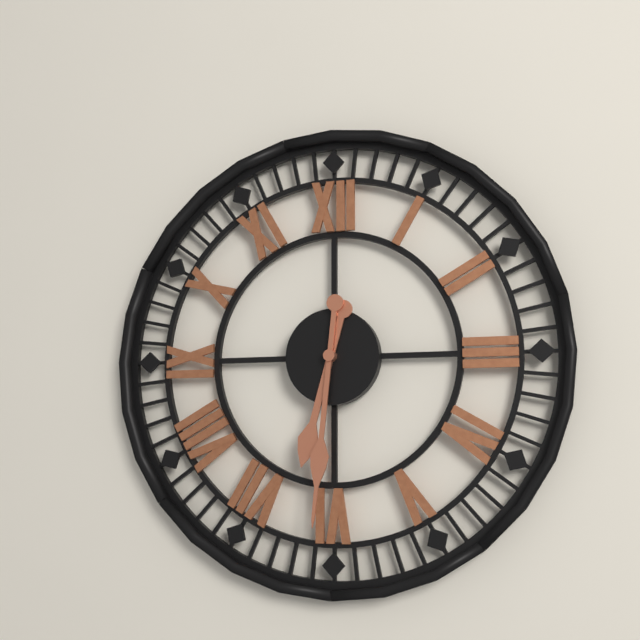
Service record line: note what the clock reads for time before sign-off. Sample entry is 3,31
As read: 6,31
